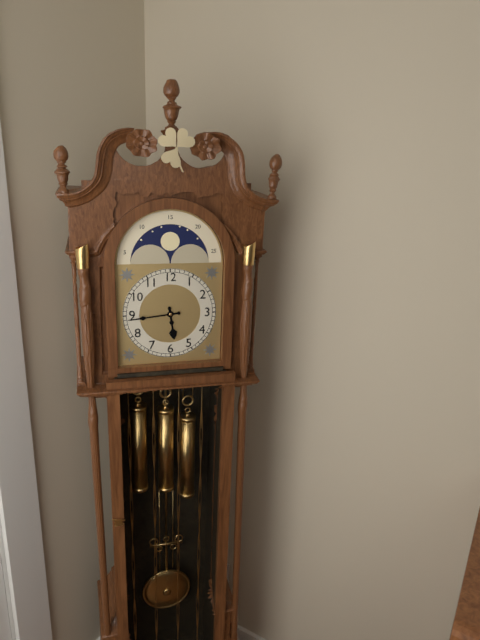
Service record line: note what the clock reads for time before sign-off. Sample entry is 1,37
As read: 5,44
